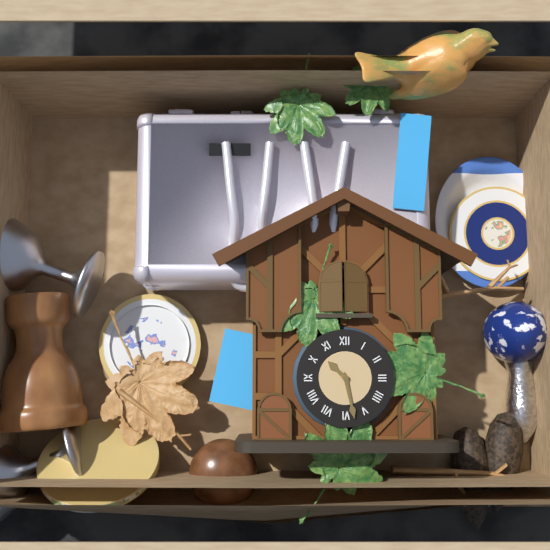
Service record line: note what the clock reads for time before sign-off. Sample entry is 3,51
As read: 10,28
